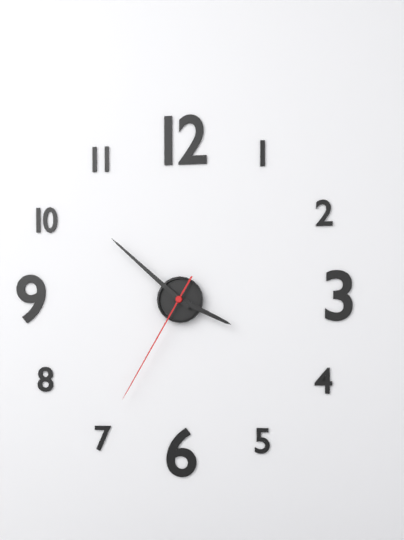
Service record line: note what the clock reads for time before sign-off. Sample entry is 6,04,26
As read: 3,52,35
